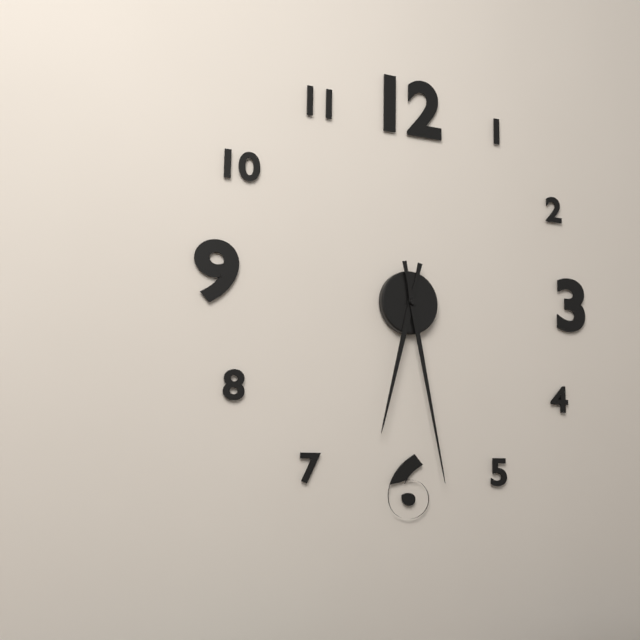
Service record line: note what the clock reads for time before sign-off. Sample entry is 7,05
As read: 6,28
